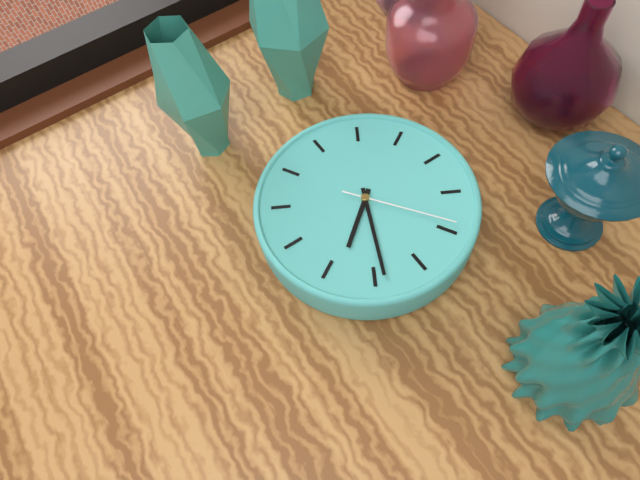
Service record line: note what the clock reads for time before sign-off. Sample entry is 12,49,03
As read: 9,44,34
